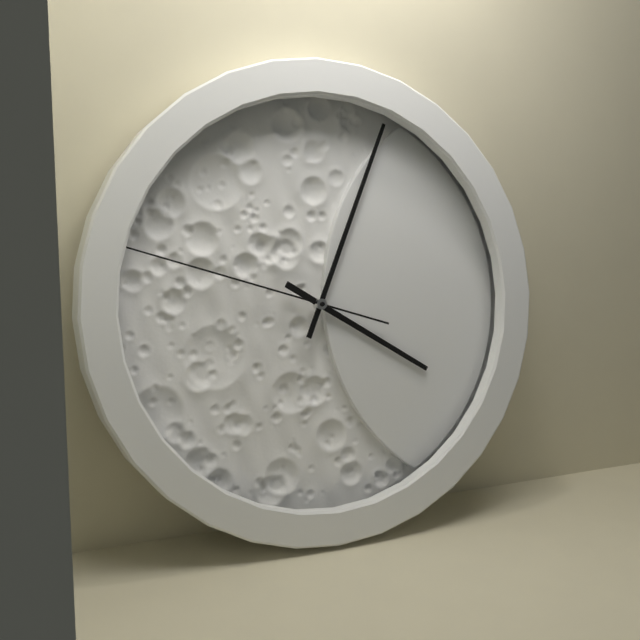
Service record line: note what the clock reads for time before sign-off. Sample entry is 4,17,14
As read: 4,04,48
